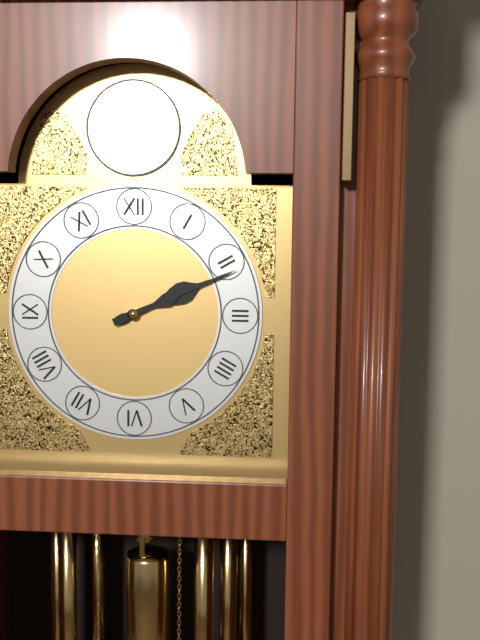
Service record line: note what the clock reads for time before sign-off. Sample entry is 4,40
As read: 2,11
